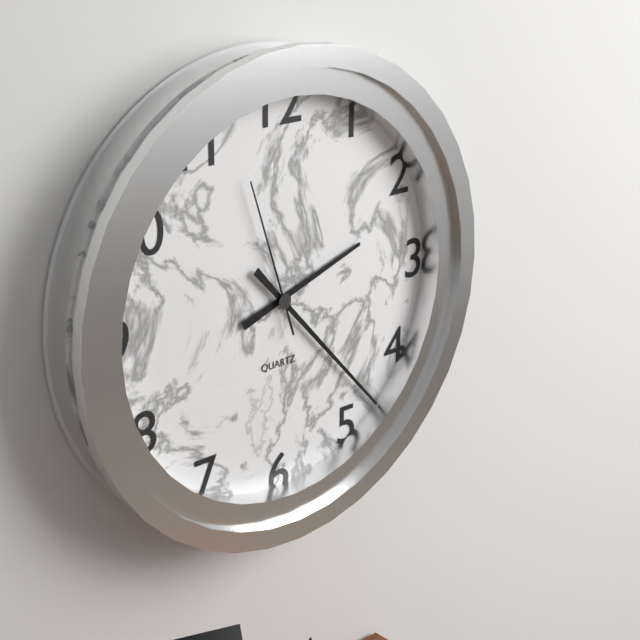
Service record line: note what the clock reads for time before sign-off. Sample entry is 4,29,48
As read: 2,23,57
